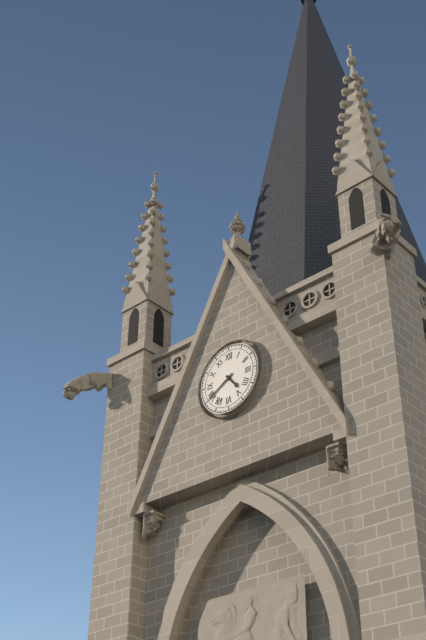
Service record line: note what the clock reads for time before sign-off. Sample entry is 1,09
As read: 4,40
